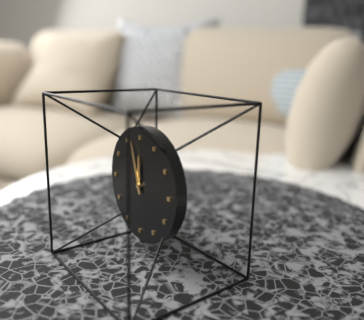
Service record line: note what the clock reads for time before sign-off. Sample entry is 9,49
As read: 11,57
